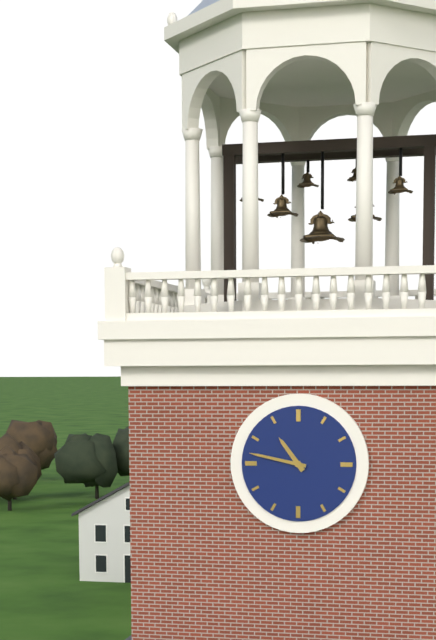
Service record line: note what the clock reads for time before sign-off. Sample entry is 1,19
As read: 10,47
